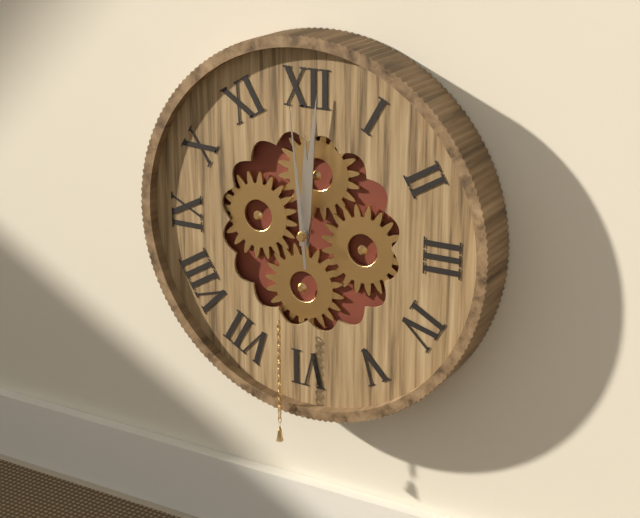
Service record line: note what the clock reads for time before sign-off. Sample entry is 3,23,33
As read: 12,01,59
